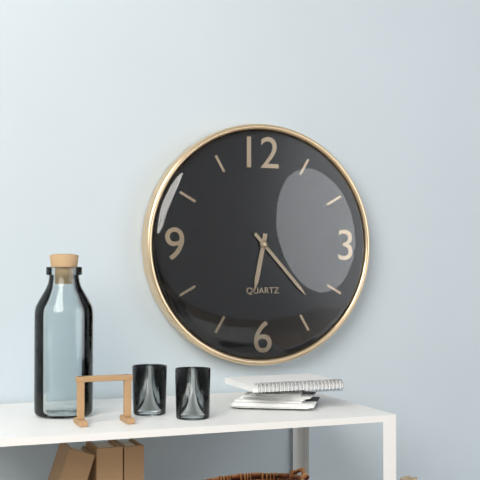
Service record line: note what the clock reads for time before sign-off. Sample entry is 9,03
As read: 6,23
